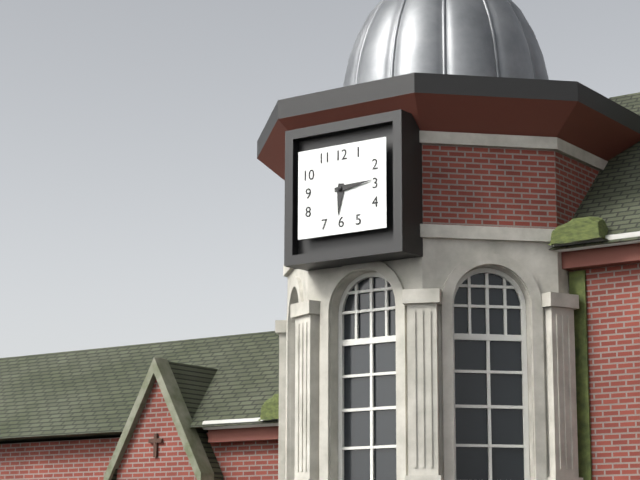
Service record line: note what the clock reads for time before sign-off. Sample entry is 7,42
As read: 6,14
